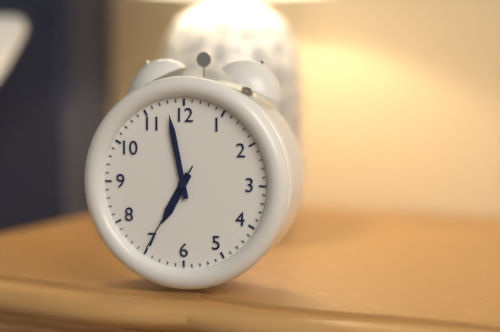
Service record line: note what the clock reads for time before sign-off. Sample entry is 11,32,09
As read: 6,58,35
